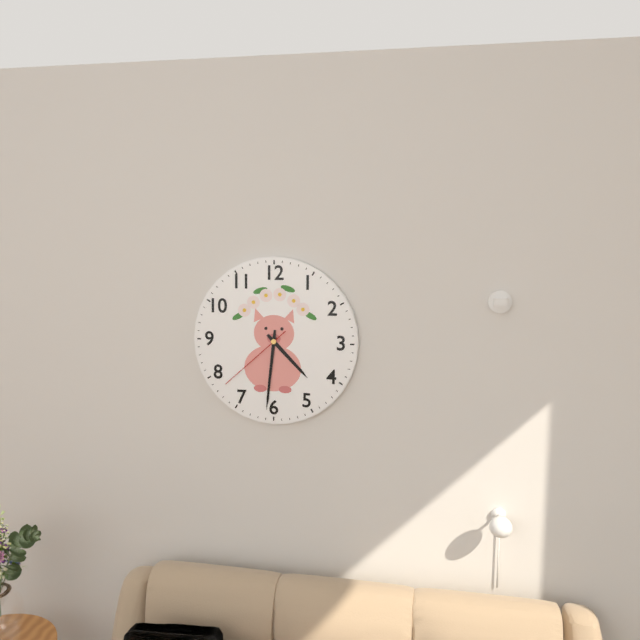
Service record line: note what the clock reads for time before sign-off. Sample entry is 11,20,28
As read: 4,31,38
